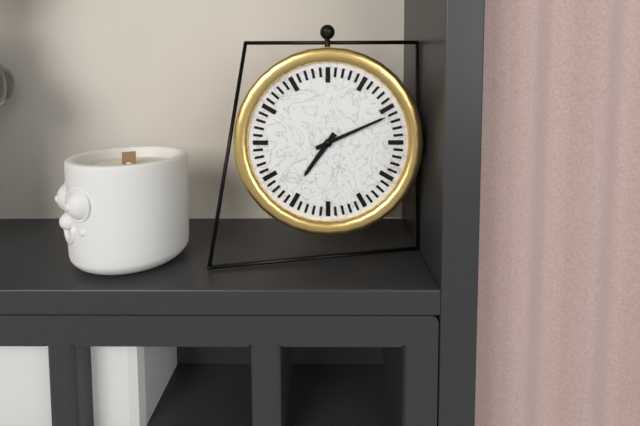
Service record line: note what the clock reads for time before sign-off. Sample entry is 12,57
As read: 7,11
